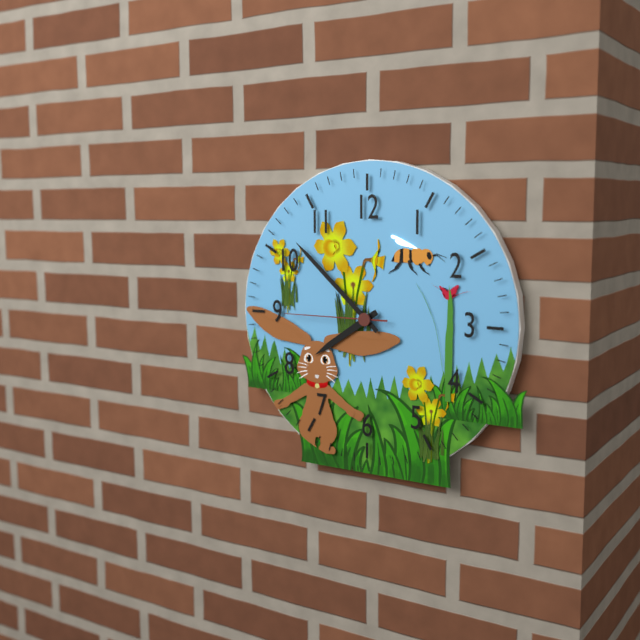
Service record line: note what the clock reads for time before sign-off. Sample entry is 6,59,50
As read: 7,52,45
